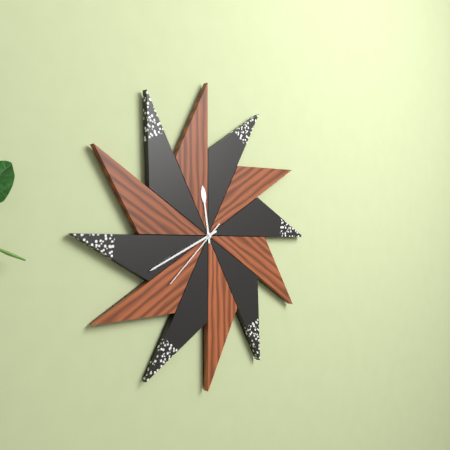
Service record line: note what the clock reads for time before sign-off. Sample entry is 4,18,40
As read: 11,41,38
